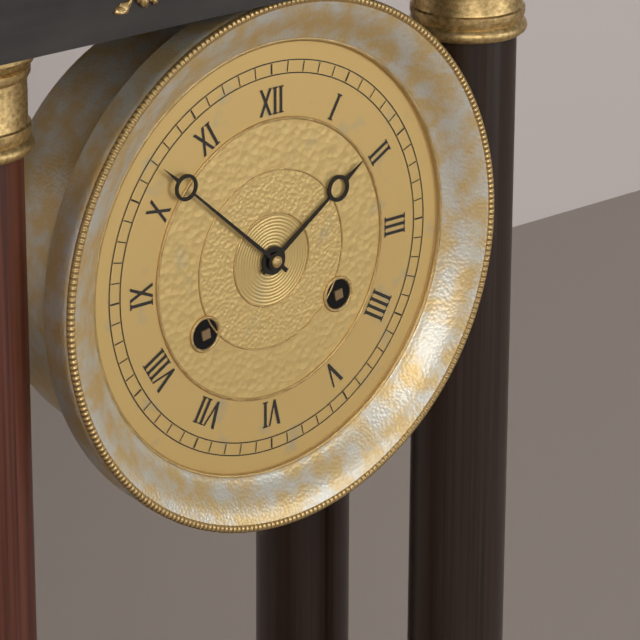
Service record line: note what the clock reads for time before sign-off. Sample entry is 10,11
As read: 1,52
